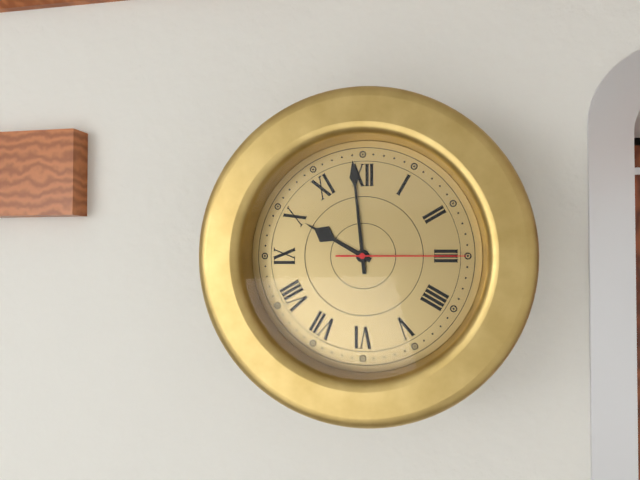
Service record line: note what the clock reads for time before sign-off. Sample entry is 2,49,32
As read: 9,59,15
